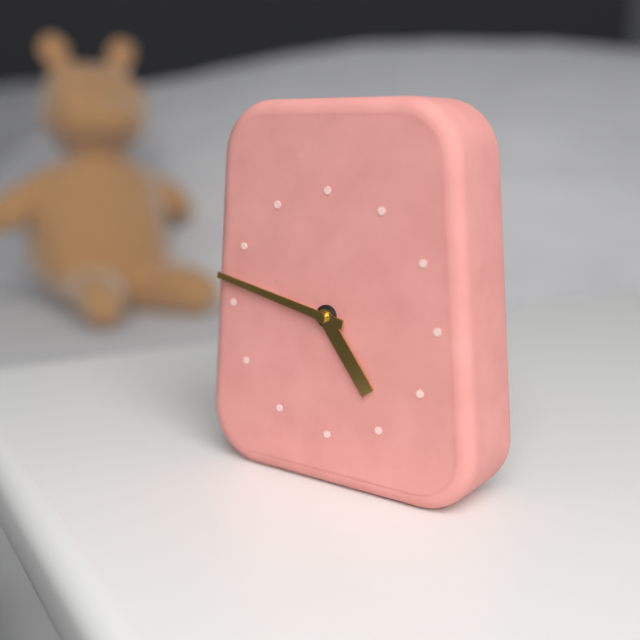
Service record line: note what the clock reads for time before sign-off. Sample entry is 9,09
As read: 4,47
